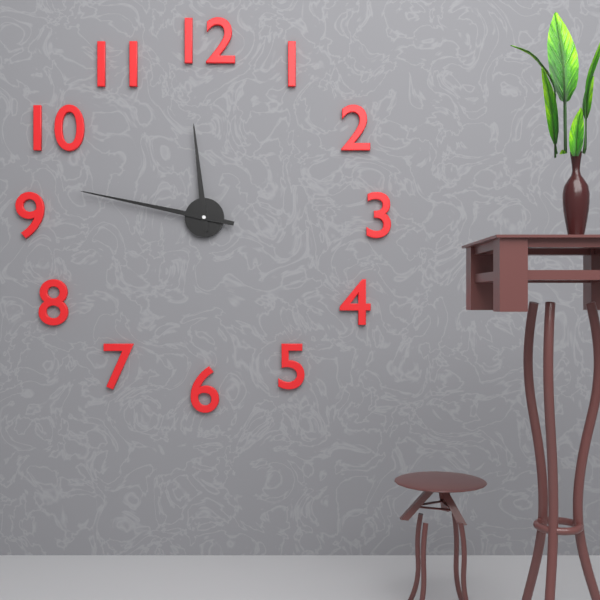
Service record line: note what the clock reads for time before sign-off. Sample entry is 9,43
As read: 11,47
